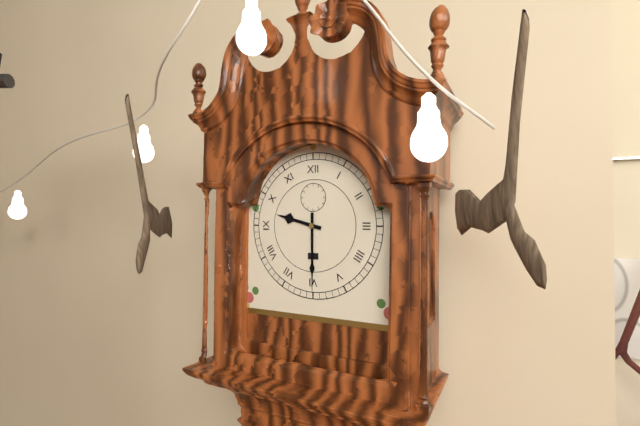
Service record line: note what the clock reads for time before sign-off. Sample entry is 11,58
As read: 9,30
